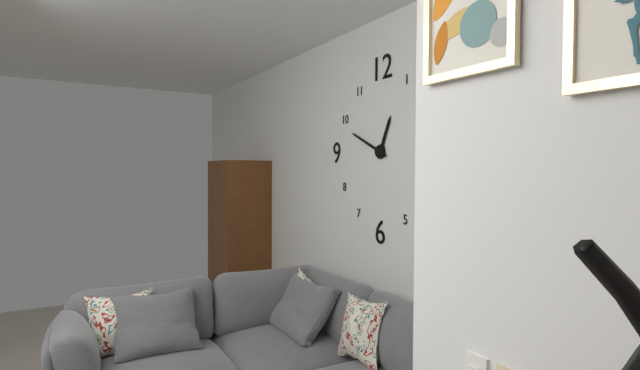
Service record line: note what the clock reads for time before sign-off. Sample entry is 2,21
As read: 12,49
